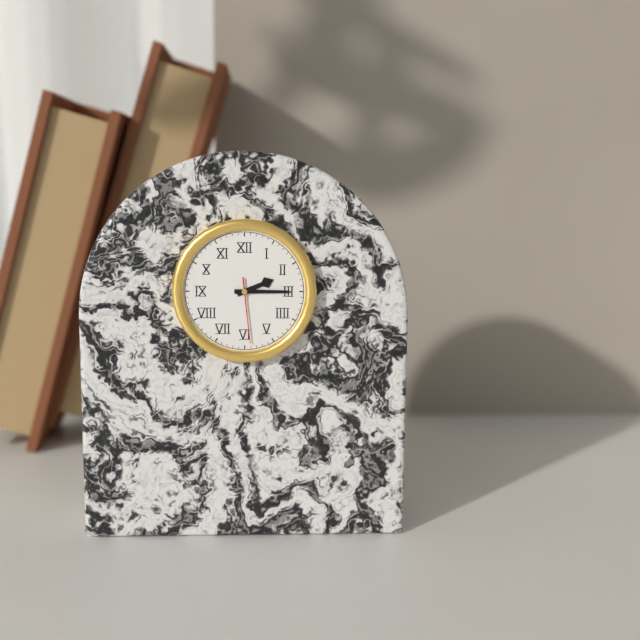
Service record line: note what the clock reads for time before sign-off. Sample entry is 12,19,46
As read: 2,15,29
